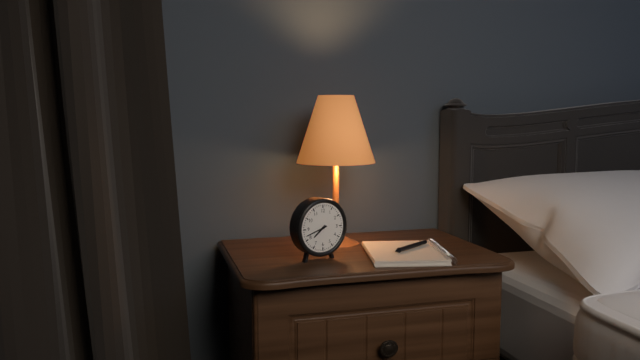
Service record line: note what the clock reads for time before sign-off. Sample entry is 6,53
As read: 7,42
